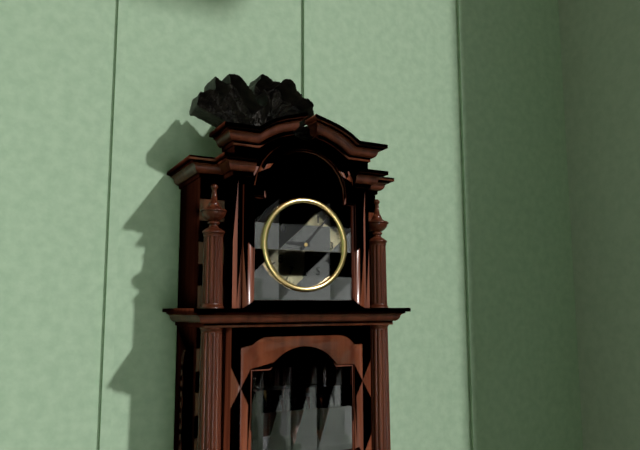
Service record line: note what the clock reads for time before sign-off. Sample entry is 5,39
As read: 9,07
